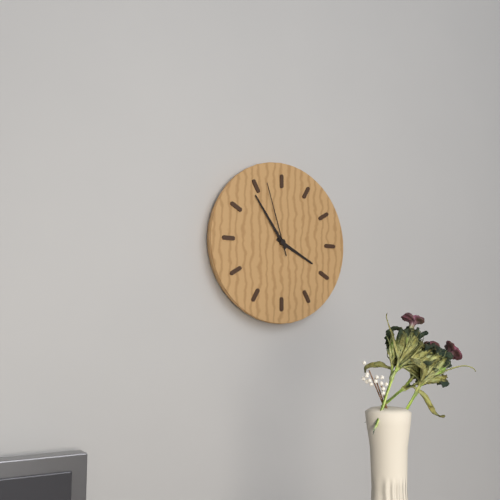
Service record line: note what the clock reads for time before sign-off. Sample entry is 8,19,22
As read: 3,54,57
